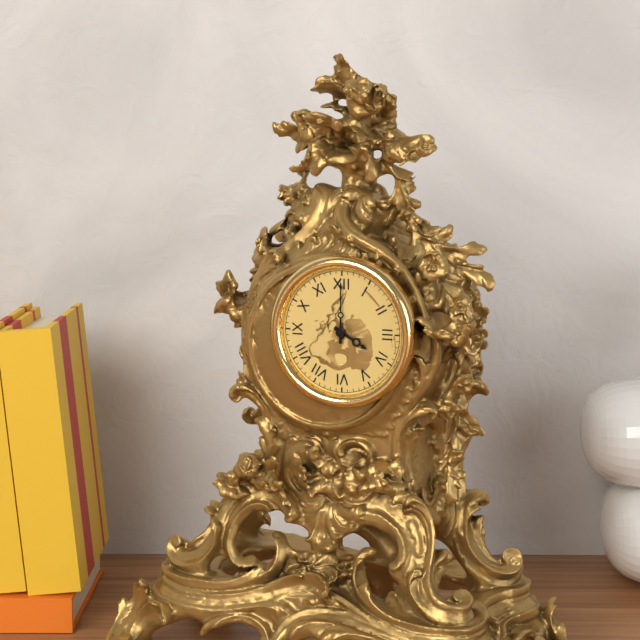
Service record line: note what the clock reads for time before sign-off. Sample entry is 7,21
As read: 4,00
